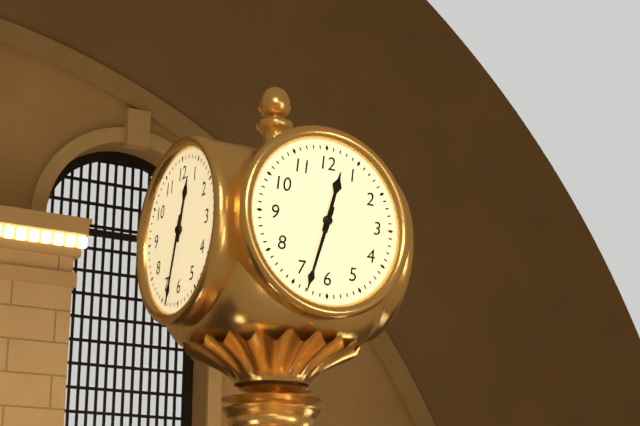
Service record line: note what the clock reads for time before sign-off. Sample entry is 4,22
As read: 12,33
